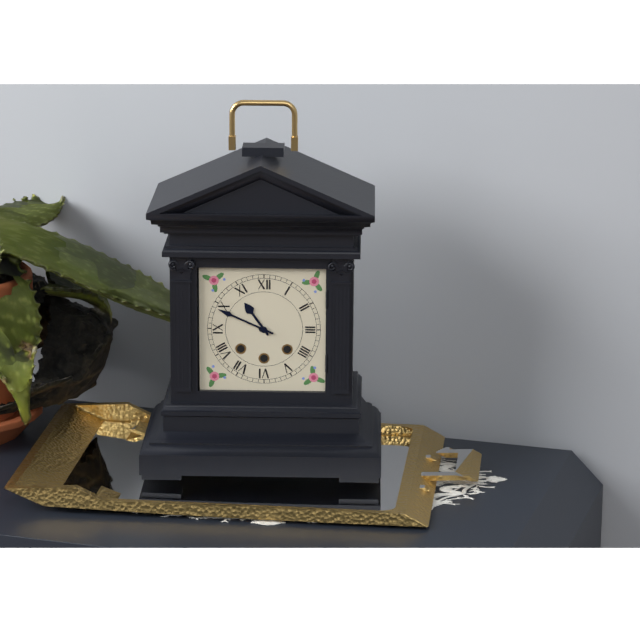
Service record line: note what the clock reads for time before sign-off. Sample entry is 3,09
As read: 10,49
